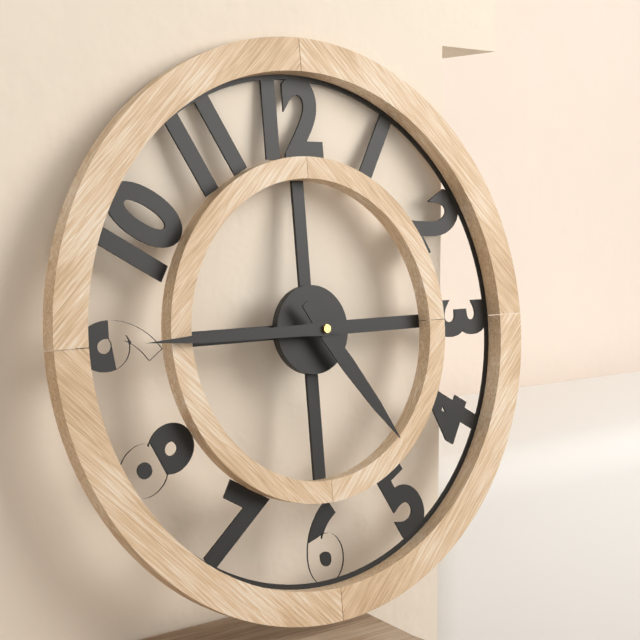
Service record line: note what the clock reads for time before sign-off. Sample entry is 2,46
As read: 4,45
